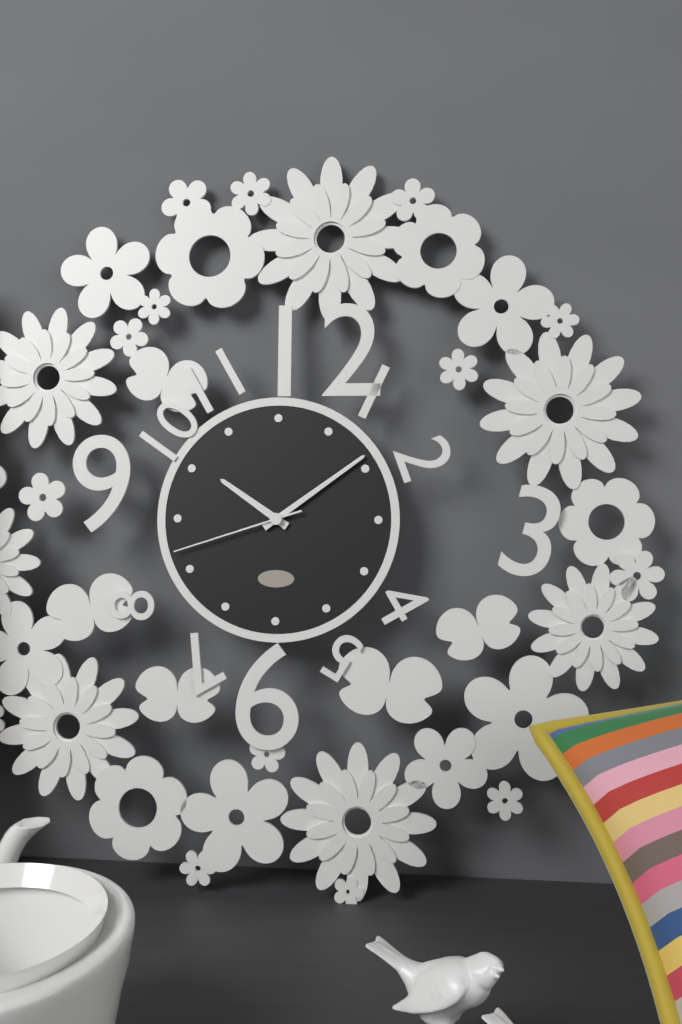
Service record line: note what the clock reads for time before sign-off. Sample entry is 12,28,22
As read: 10,09,42
